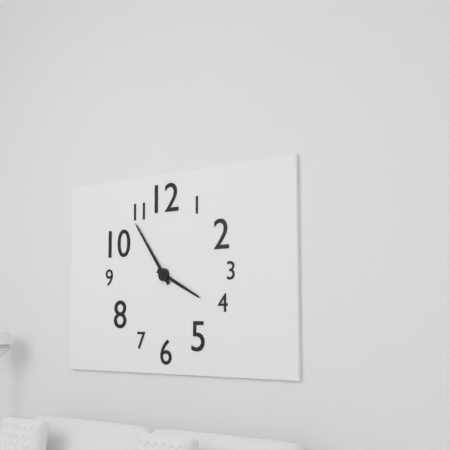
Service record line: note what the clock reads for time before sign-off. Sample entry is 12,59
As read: 3,54
